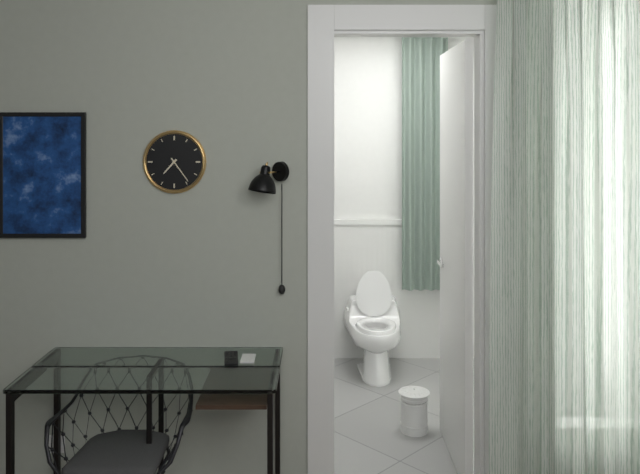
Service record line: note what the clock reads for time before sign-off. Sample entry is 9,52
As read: 7,24
